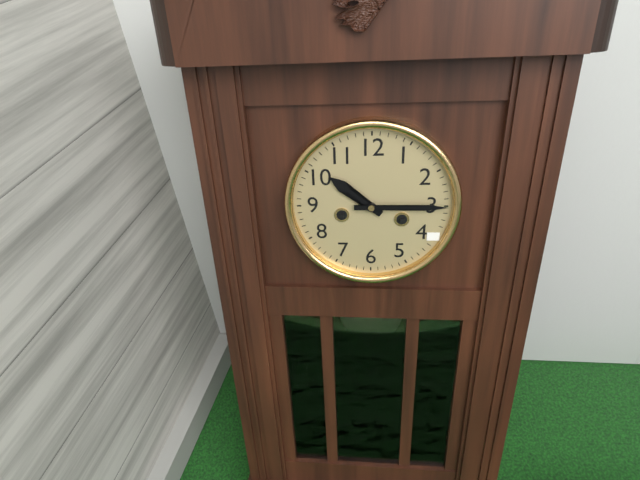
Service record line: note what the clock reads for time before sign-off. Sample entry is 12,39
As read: 10,15
